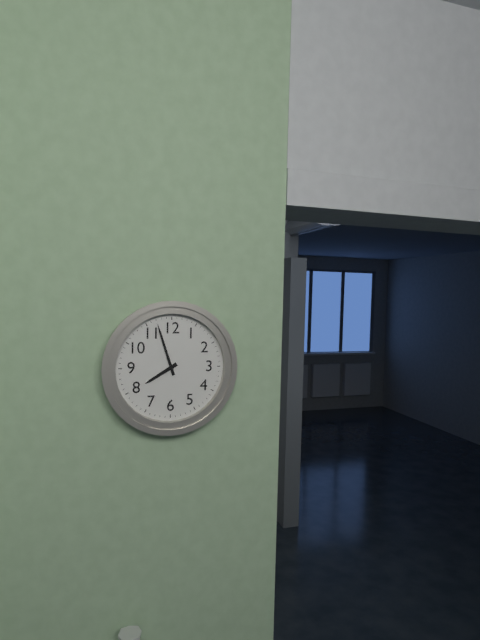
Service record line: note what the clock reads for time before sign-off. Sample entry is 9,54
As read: 7,57
